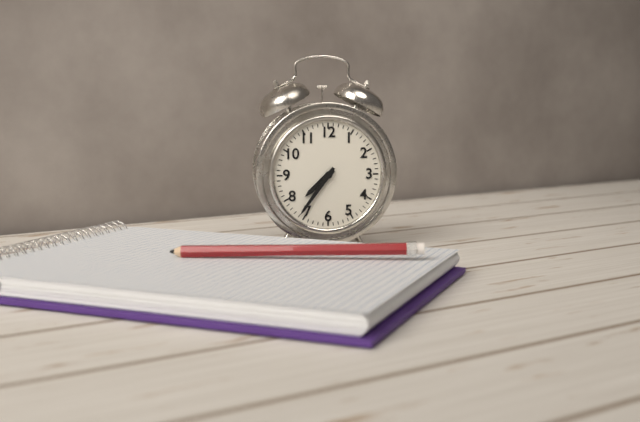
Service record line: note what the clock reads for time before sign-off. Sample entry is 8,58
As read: 7,36
